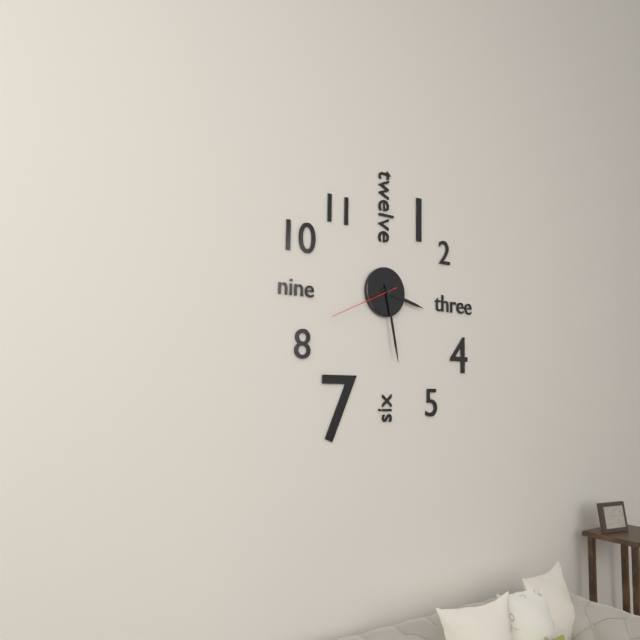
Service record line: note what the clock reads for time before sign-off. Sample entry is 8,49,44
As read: 3,28,41
